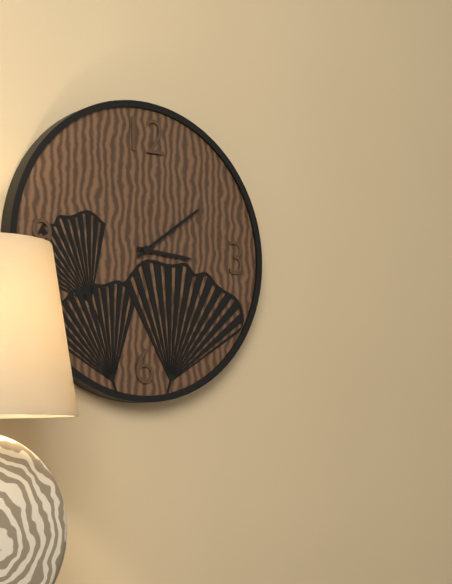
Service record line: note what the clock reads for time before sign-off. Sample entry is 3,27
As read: 3,09
